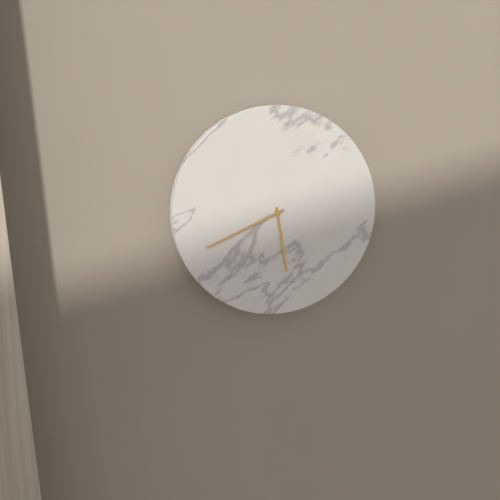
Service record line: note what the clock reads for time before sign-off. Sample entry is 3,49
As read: 5,41
